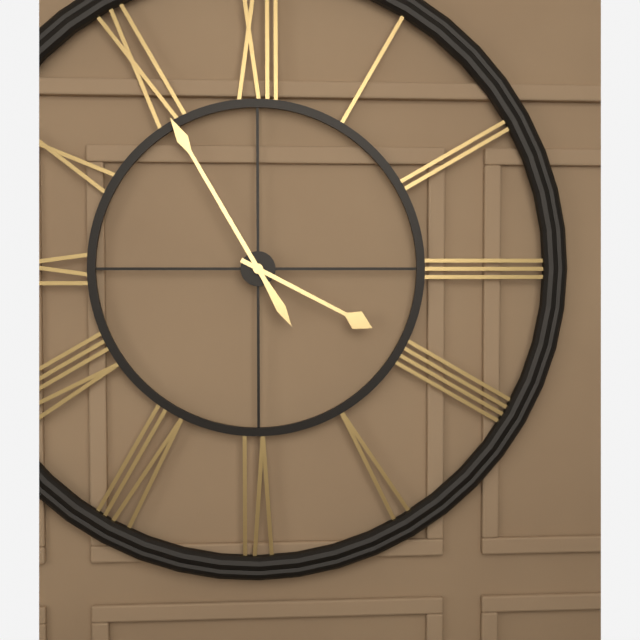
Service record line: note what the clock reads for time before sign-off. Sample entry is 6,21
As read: 3,55
